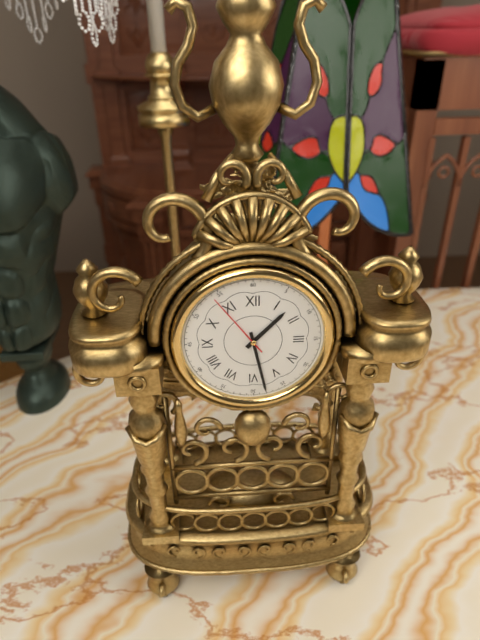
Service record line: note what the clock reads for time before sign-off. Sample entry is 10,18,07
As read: 1,28,54
